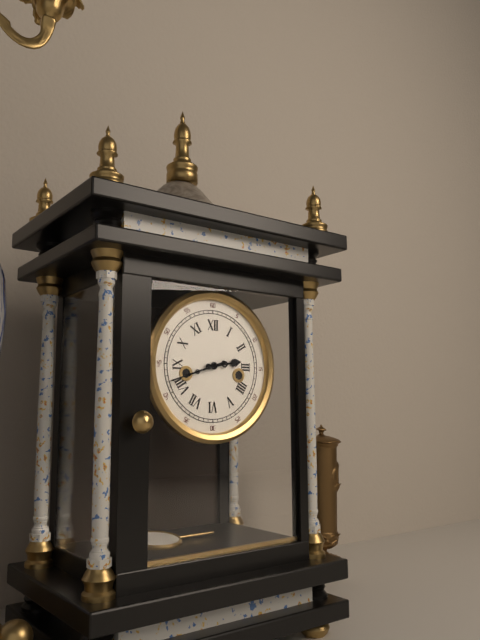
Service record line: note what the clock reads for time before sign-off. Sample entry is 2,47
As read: 2,42
